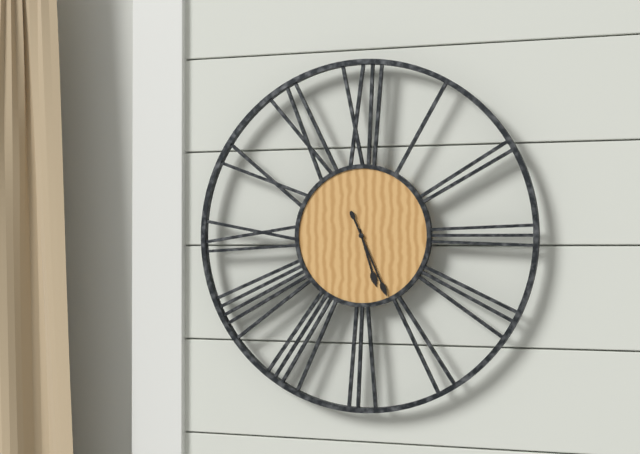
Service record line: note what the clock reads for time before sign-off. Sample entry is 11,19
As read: 5,26
